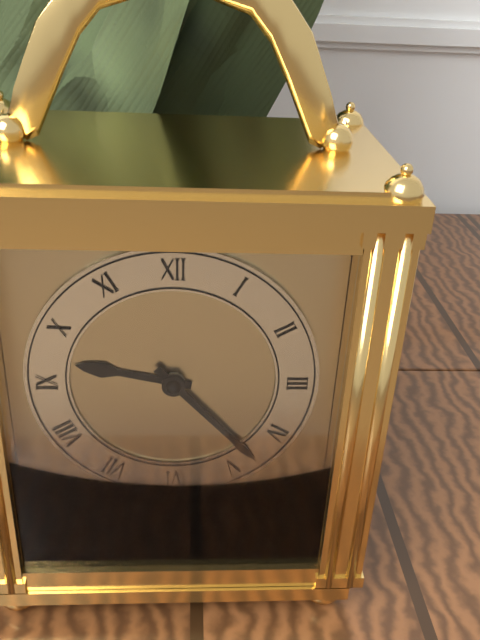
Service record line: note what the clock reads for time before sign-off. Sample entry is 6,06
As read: 9,23
